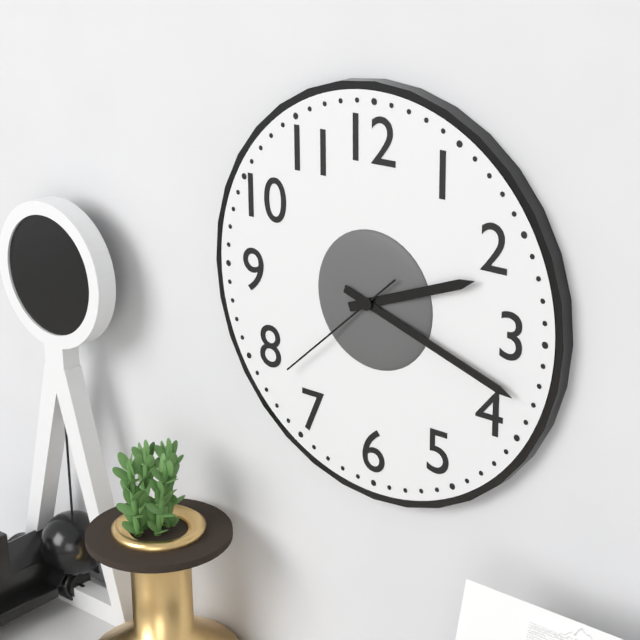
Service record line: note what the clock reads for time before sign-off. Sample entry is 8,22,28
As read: 2,18,38
